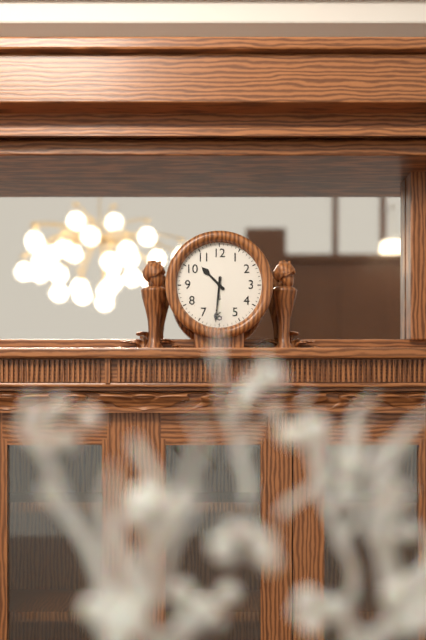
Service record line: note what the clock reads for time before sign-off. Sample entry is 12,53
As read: 10,31
